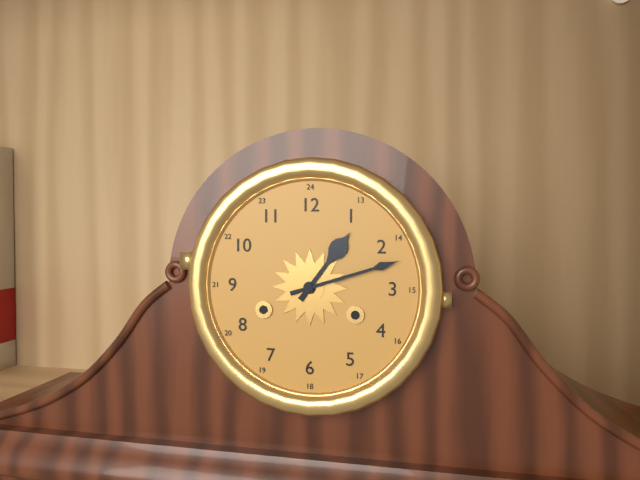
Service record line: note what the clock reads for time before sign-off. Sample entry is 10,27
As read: 1,12
